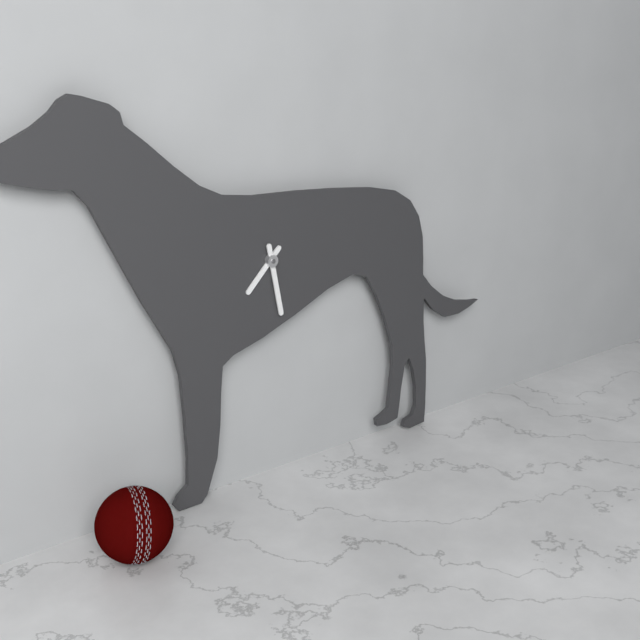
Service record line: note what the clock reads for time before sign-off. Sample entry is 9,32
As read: 7,28
